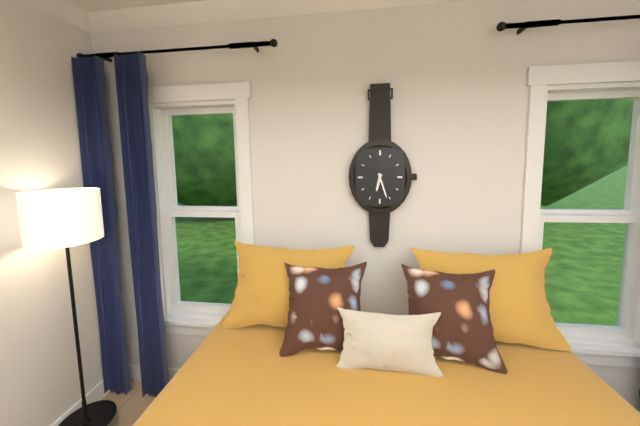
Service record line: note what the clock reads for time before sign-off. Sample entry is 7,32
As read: 6,27
